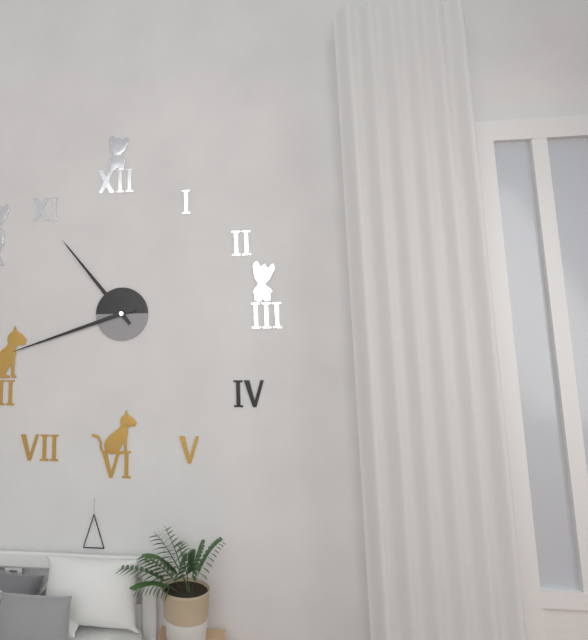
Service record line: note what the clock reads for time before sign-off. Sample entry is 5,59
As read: 10,42
